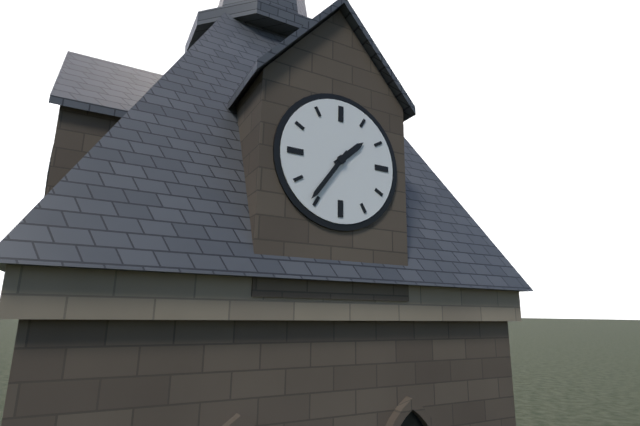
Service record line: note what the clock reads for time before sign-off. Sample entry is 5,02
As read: 1,36
